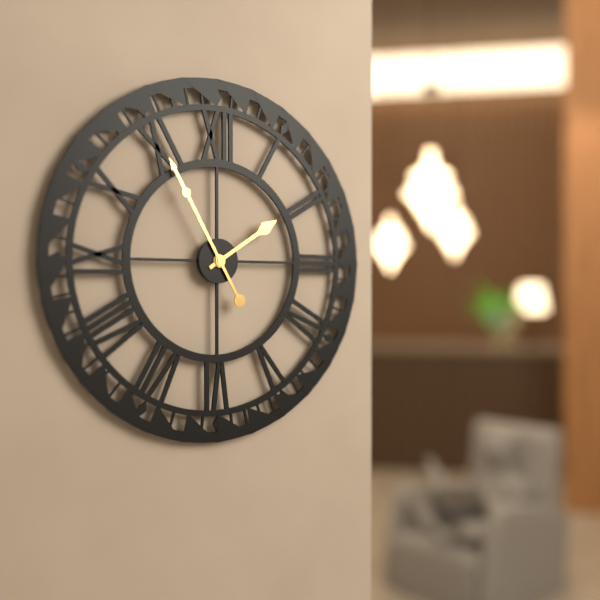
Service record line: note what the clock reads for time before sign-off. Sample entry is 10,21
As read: 1,55
